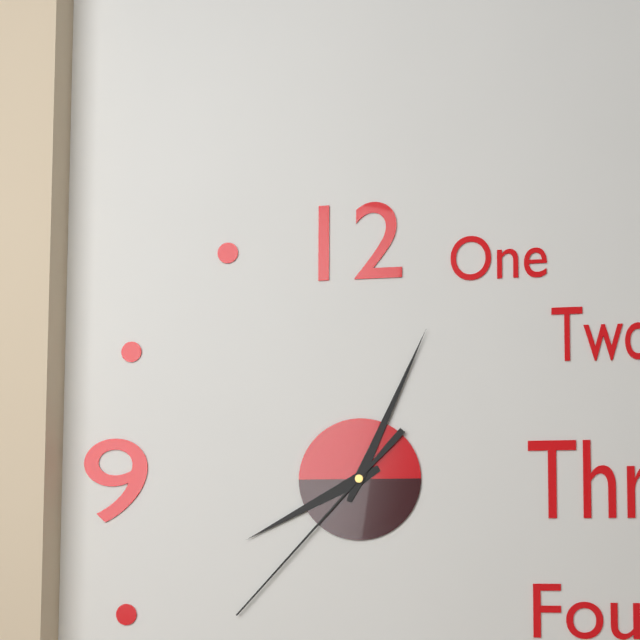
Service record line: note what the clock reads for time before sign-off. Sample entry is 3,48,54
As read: 8,04,37
